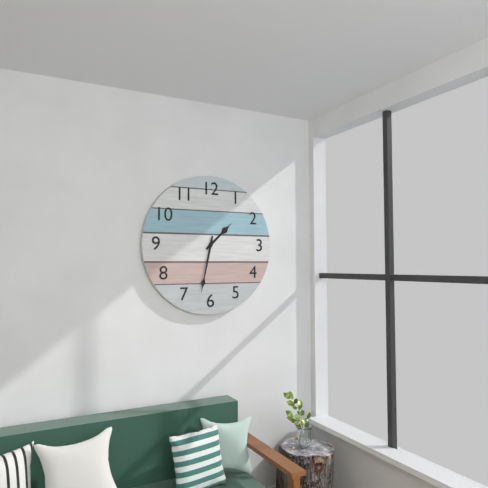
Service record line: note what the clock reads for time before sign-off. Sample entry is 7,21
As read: 1,32
